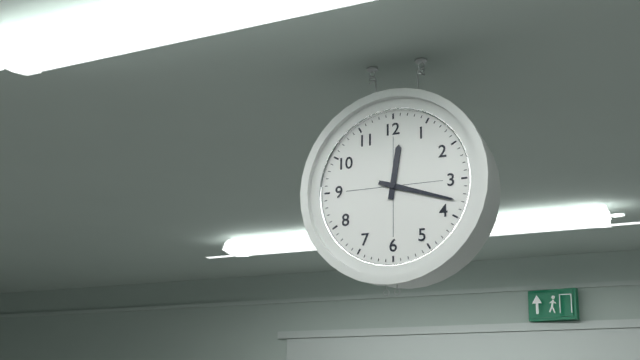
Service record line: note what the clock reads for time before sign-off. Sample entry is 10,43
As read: 12,18
